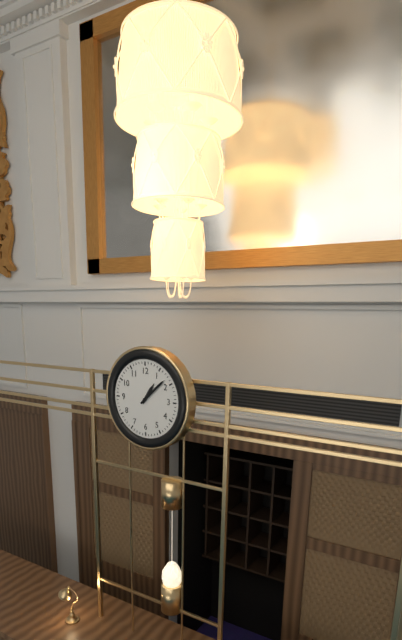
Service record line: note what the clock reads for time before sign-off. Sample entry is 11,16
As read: 1,08
